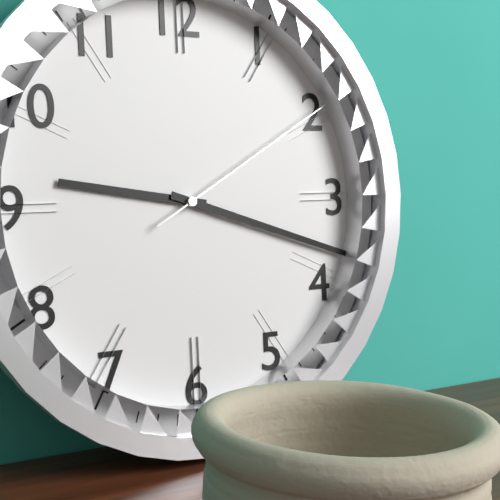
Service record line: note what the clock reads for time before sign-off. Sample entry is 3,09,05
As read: 9,18,10
